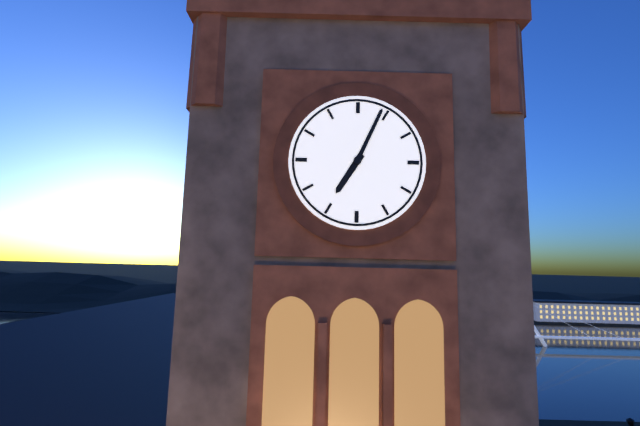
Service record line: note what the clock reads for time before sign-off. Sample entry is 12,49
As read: 7,04
